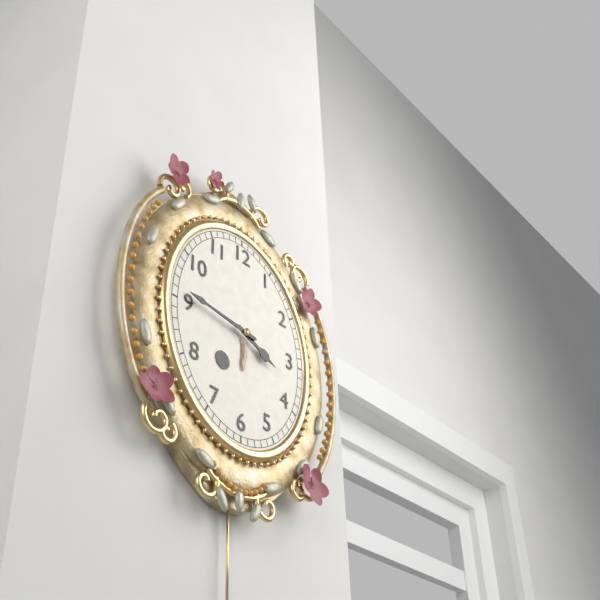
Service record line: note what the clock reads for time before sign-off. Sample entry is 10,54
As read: 3,46
